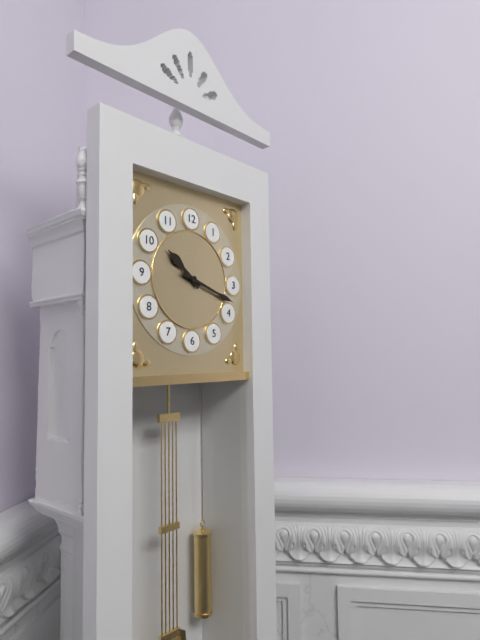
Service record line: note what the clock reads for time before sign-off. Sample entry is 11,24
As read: 10,18
